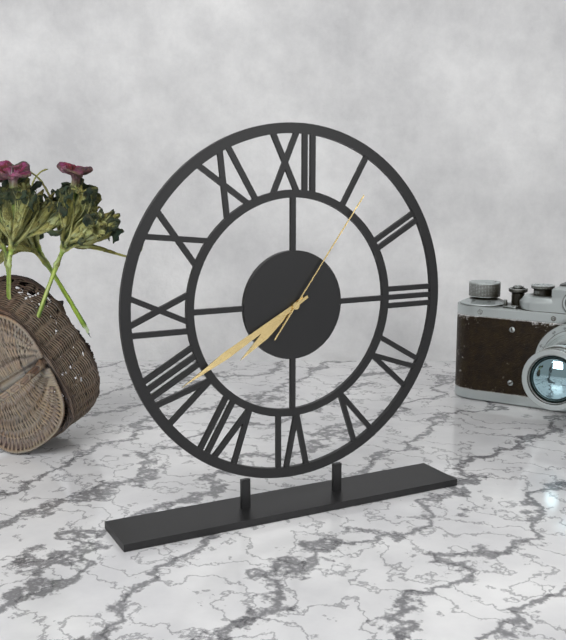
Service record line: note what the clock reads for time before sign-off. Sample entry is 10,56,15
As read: 7,40,06
